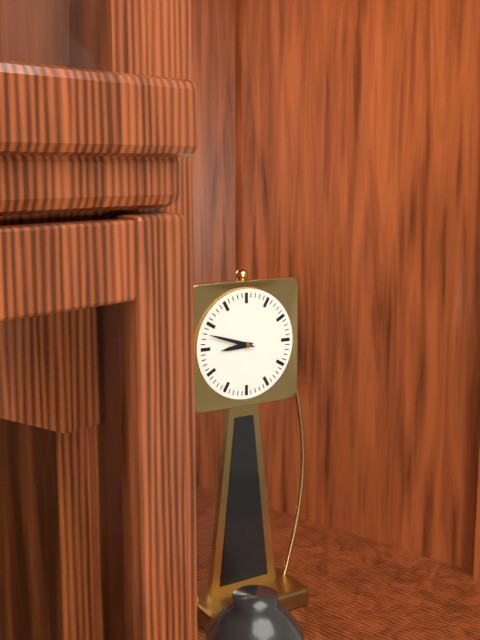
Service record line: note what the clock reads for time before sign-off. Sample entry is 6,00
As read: 8,48
